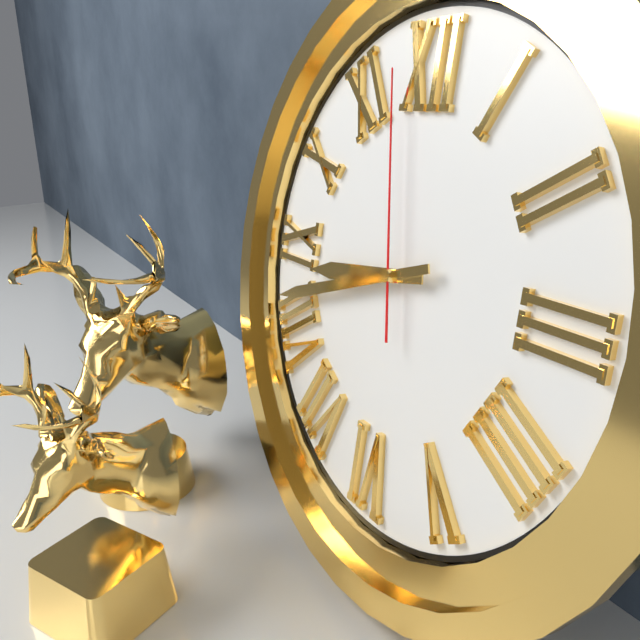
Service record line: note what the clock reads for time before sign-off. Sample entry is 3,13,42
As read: 8,42,58
